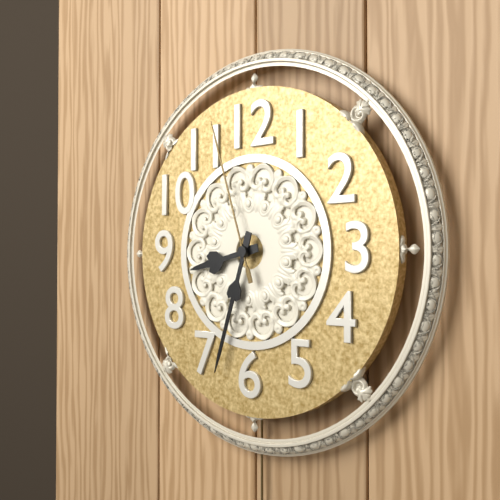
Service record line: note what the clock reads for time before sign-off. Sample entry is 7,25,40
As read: 8,33,57
